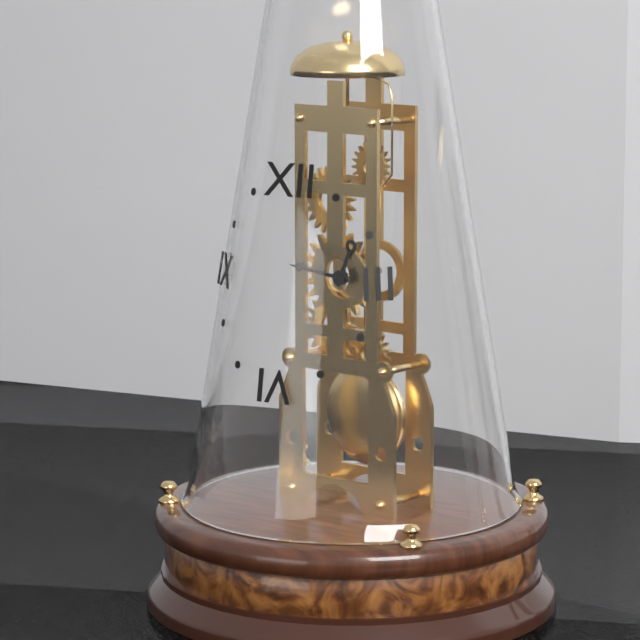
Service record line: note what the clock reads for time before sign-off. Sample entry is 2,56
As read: 12,46
